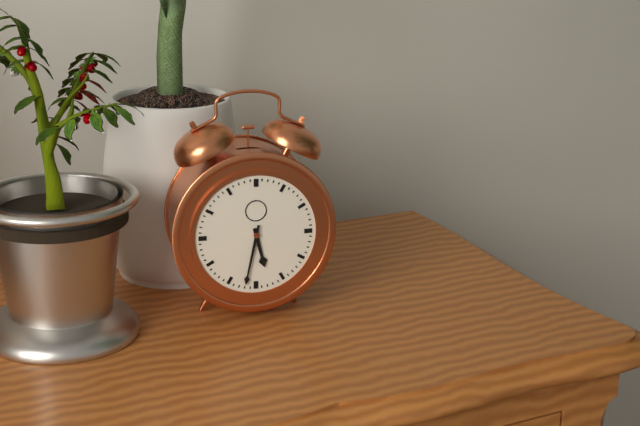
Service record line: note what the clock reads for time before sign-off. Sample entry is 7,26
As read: 5,32
